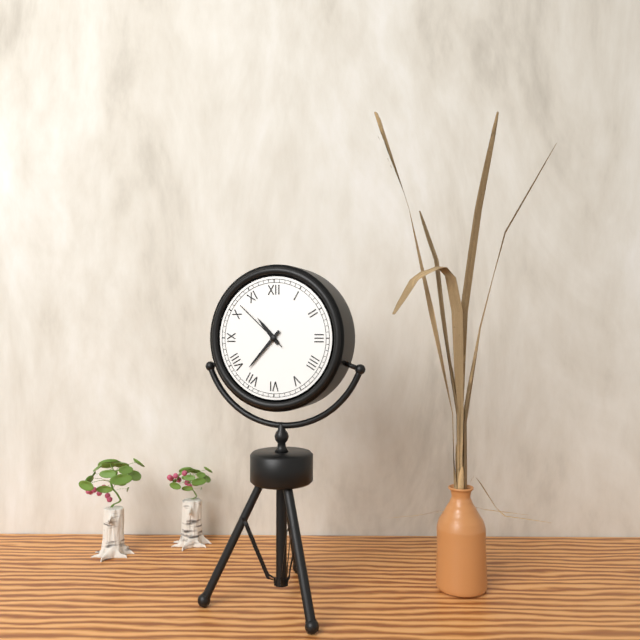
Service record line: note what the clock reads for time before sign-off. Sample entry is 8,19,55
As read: 10,37,52
